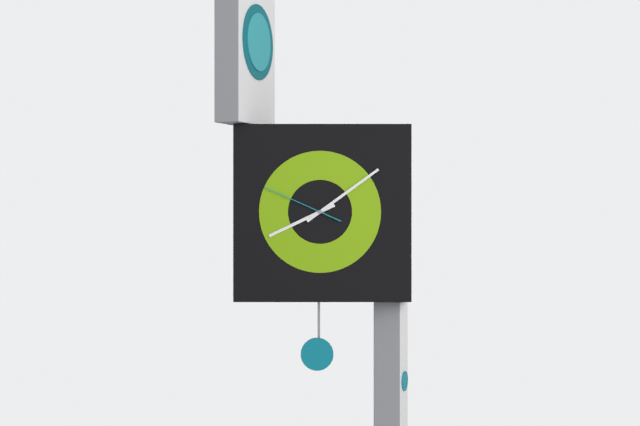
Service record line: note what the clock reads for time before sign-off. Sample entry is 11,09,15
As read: 8,09,49
